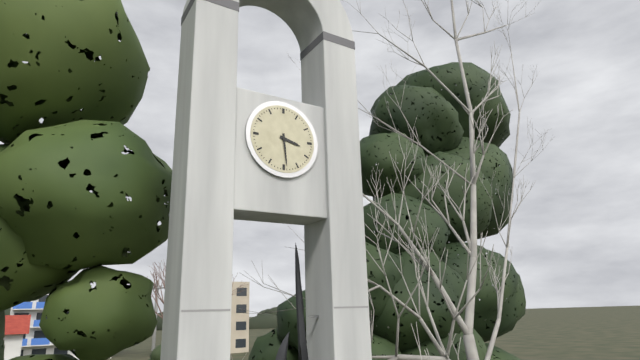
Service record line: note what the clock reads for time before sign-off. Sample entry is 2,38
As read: 3,29
